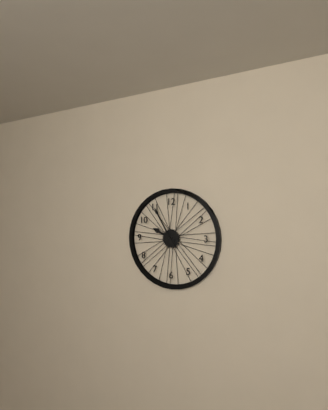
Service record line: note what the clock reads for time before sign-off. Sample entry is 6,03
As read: 9,55
